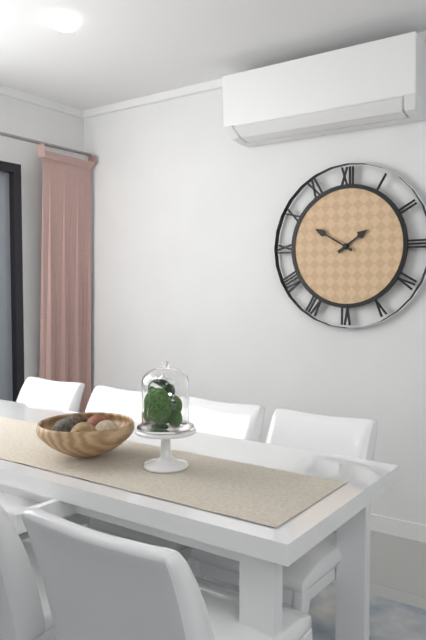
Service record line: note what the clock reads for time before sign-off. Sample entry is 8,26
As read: 1,50
